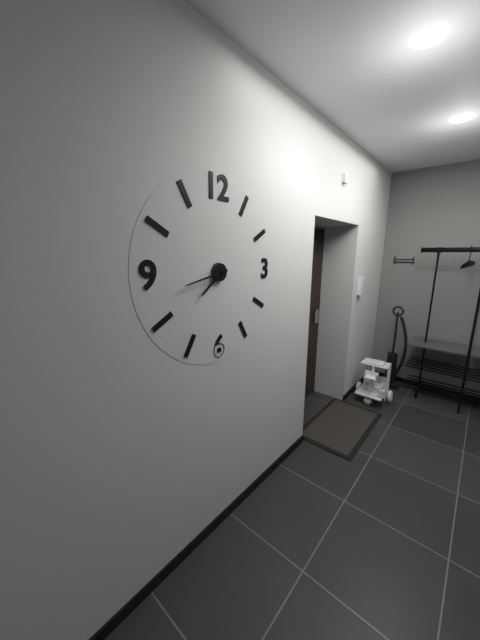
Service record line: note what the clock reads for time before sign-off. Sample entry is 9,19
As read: 7,43
